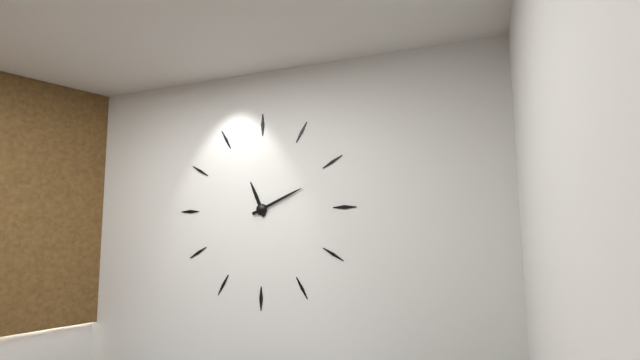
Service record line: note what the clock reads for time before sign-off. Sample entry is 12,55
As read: 11,11
